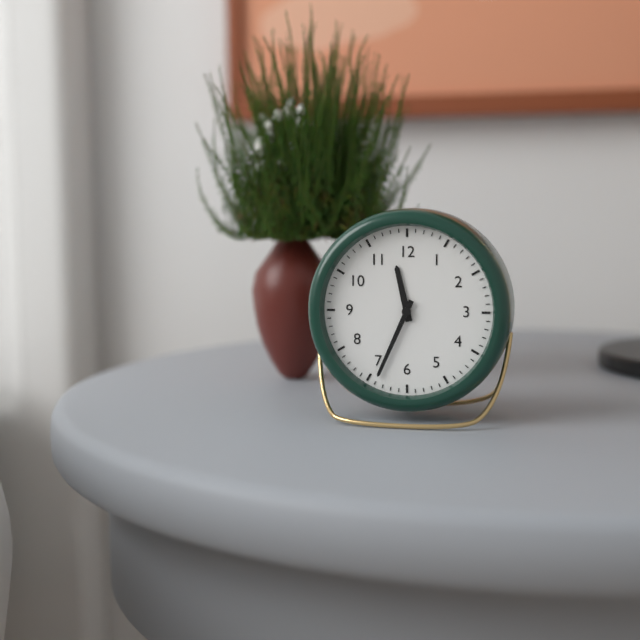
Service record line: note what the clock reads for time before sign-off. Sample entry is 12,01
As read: 11,34
